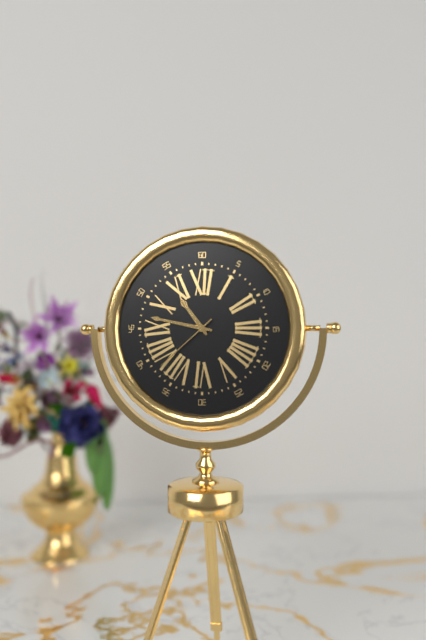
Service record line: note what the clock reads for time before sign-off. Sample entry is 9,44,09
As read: 10,47,38
